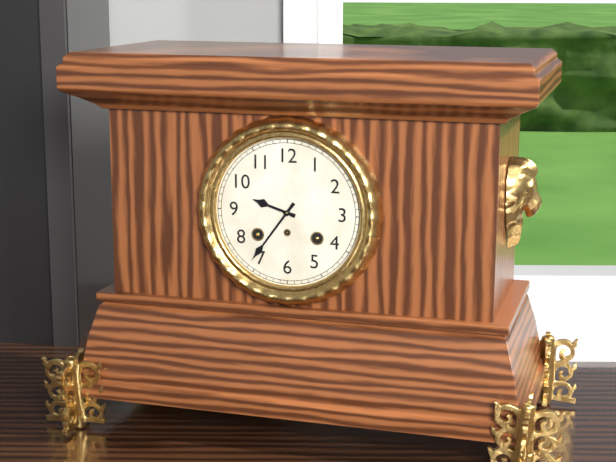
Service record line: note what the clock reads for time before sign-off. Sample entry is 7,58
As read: 9,36
